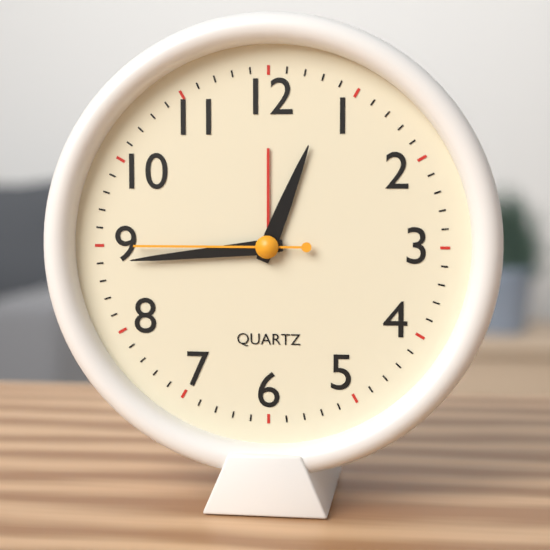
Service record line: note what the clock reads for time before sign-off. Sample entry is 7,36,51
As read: 12,44,45
